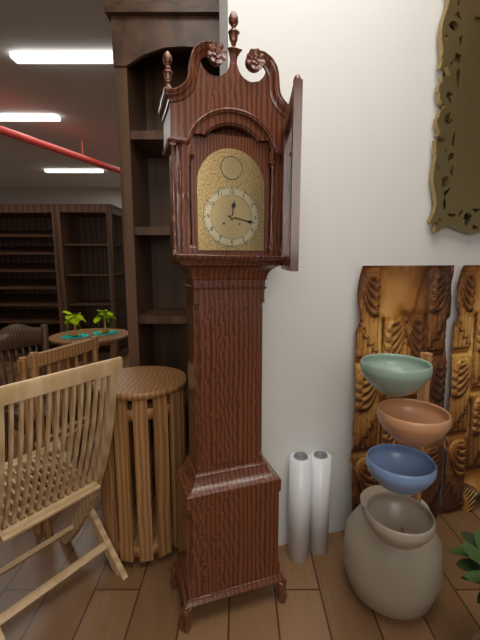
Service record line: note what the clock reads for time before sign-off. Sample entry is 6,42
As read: 12,17
